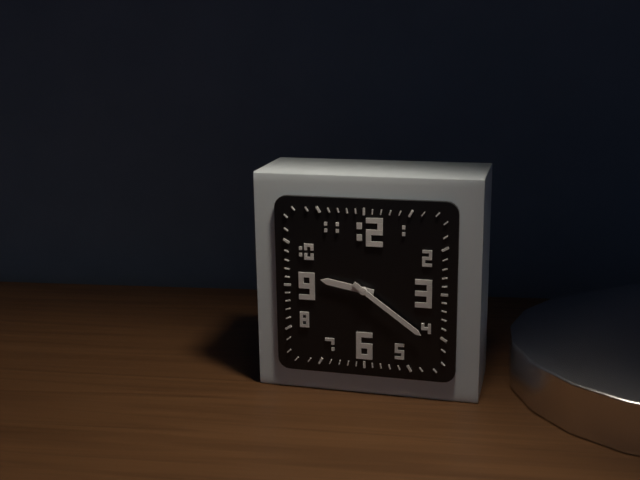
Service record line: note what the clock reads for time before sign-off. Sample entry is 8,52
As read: 9,21
